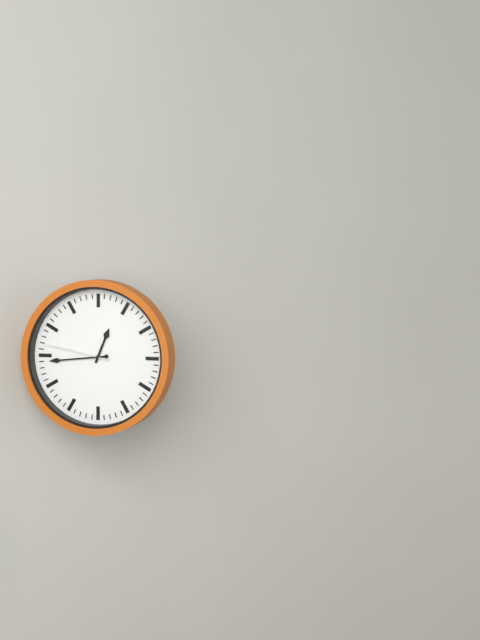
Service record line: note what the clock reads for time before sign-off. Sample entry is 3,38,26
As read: 12,44,47
